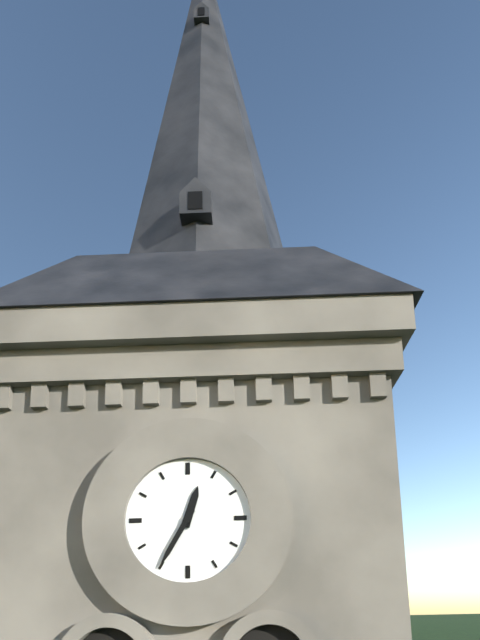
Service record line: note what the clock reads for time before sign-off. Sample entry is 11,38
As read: 12,35
